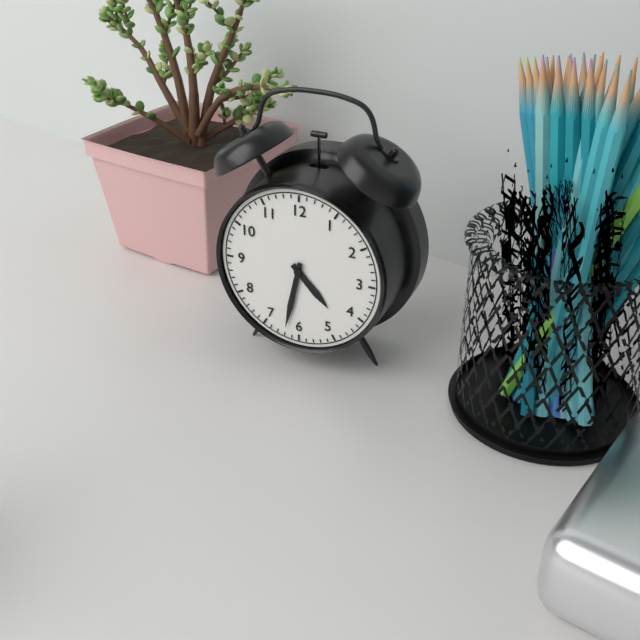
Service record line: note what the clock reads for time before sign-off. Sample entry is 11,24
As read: 4,32
